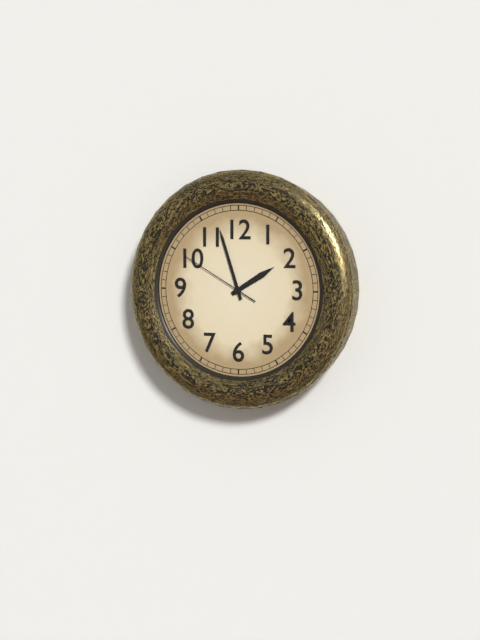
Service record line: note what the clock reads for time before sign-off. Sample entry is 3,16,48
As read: 1,57,50
